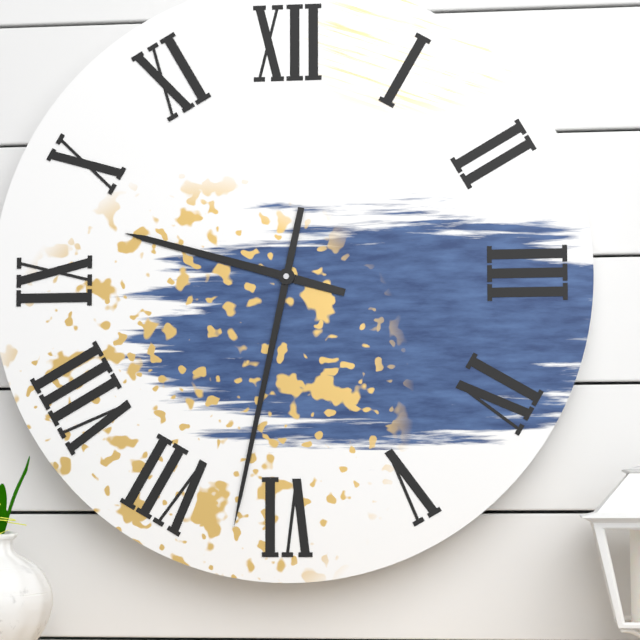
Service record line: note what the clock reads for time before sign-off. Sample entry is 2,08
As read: 9,32
